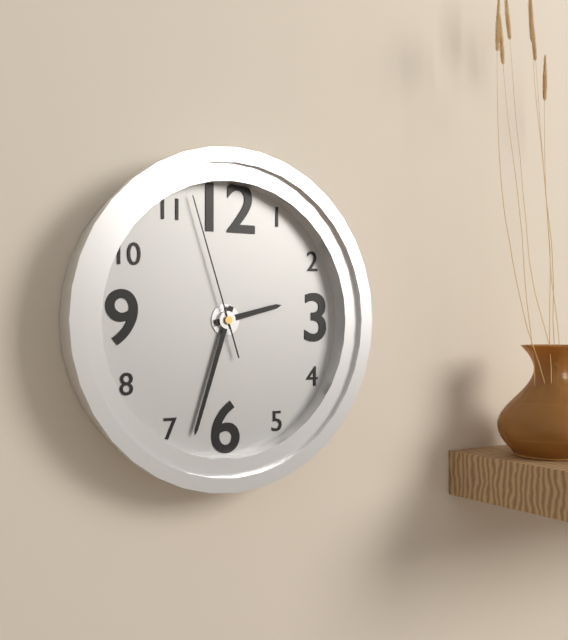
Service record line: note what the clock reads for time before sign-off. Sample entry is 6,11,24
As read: 2,33,57
